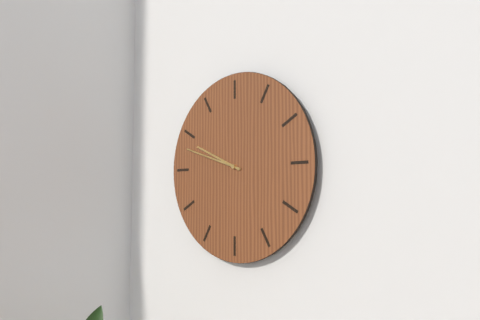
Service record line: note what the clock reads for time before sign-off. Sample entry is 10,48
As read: 9,48
